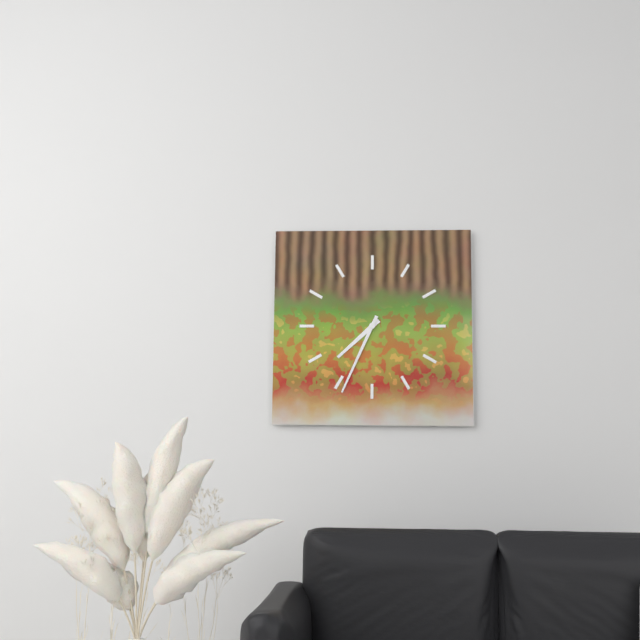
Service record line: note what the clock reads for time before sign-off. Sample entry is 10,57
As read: 7,34
